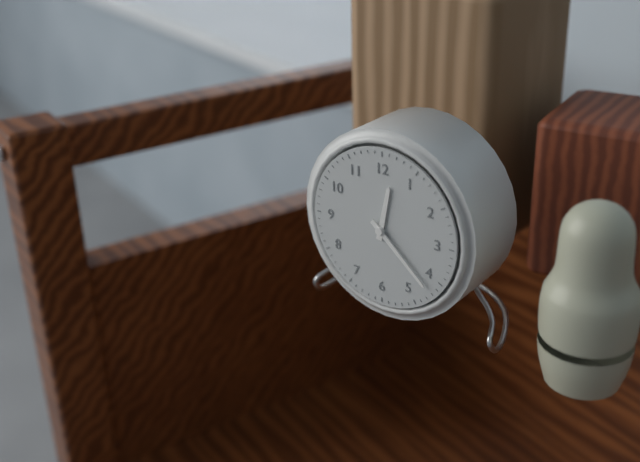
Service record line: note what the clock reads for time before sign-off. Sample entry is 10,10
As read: 12,22
